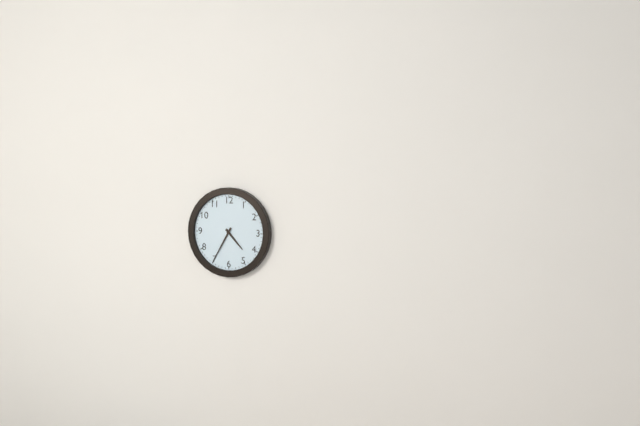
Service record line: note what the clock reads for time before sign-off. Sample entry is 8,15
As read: 4,35
